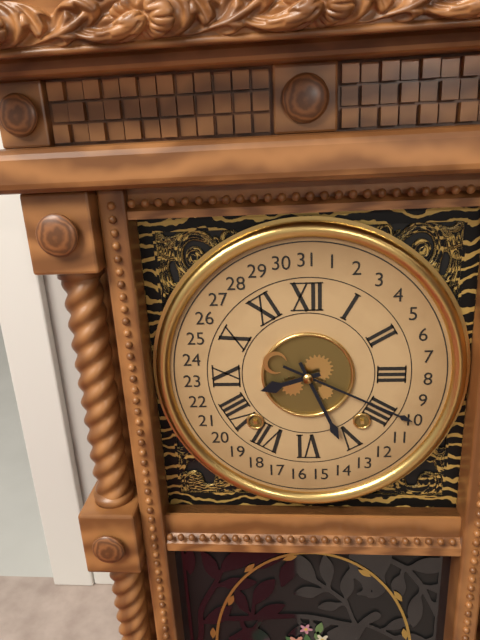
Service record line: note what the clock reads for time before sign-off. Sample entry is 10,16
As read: 8,26
